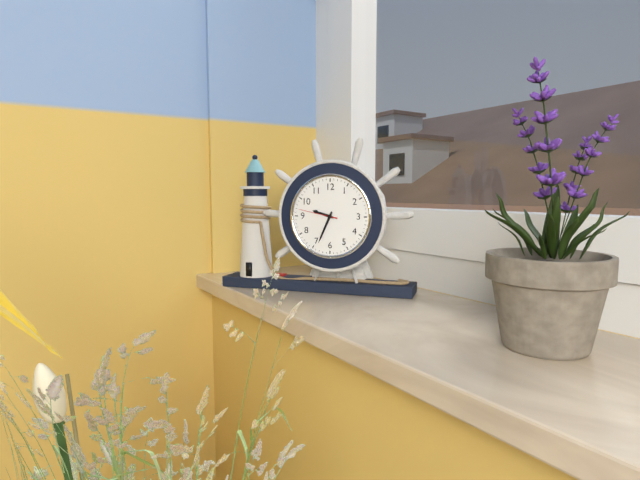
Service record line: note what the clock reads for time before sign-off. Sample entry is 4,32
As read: 9,34
